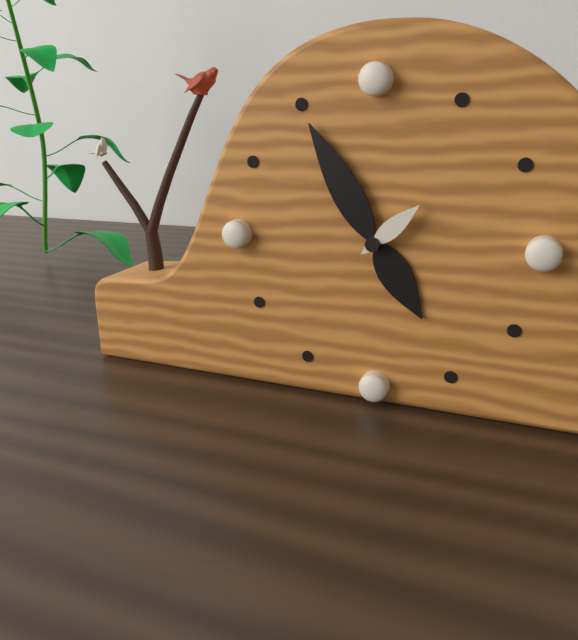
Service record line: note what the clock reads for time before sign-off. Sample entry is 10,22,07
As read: 4,55,08
